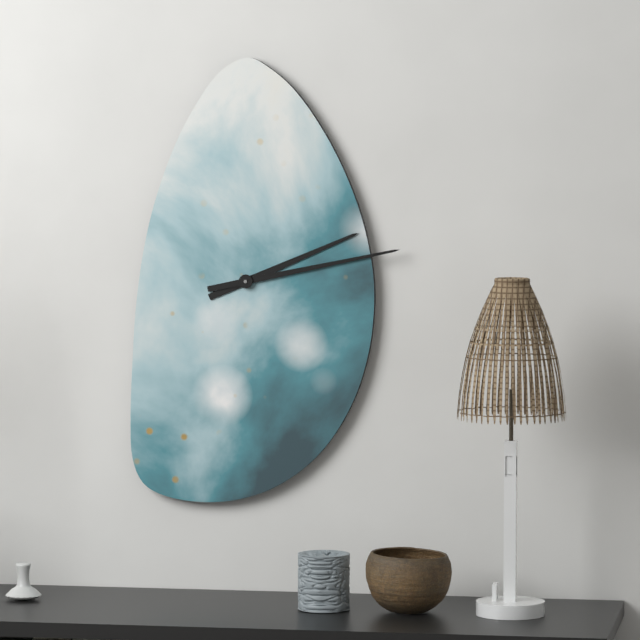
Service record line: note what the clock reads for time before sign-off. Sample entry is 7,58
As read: 2,13
